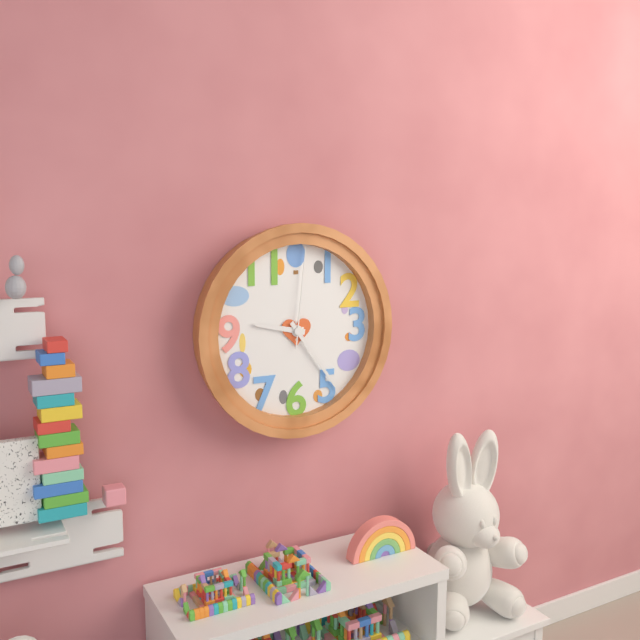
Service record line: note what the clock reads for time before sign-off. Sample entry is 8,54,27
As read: 9,24,01
